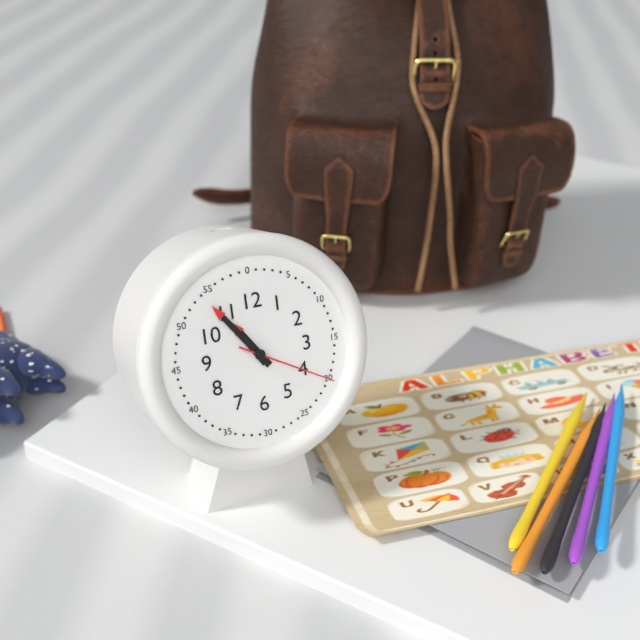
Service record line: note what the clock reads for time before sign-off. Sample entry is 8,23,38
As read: 10,54,20
